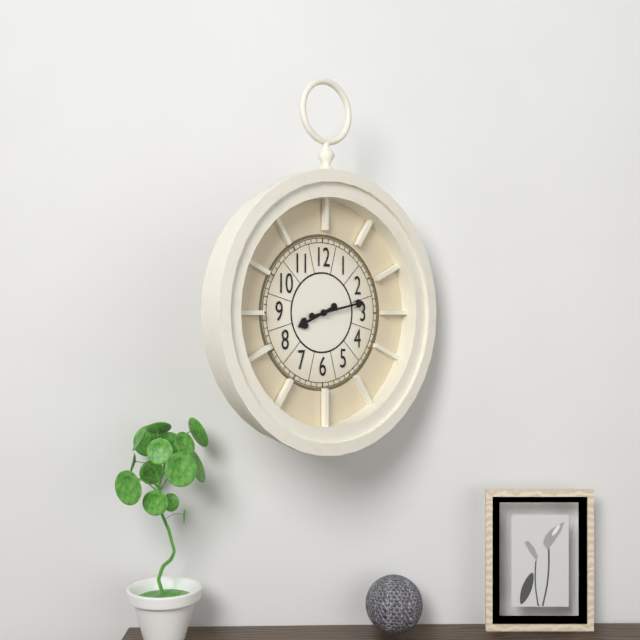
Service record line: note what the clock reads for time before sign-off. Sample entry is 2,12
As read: 8,13
